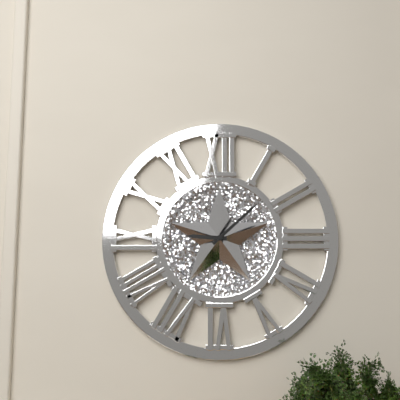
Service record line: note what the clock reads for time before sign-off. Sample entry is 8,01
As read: 9,08
